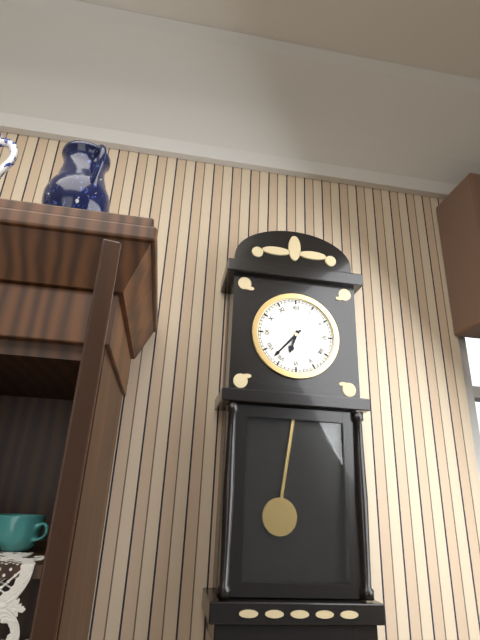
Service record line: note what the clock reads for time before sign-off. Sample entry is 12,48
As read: 6,37
